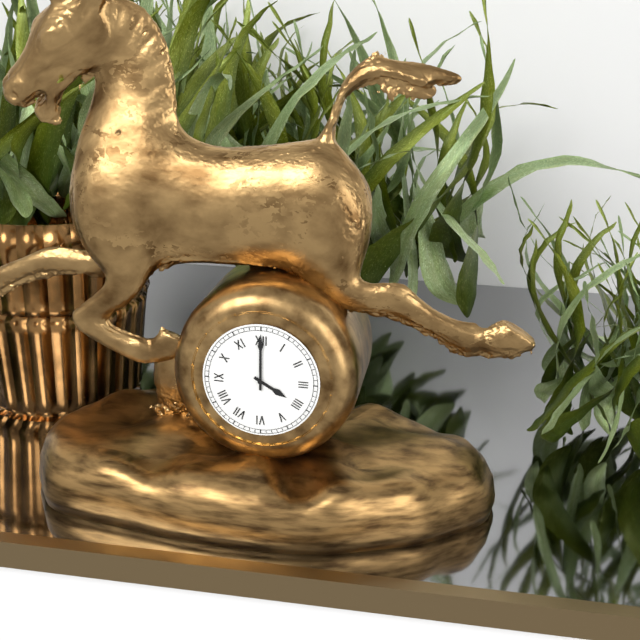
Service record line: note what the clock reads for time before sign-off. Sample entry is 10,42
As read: 4,00
